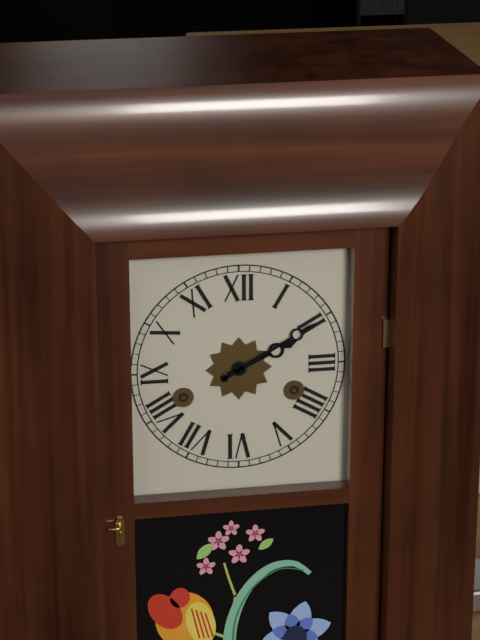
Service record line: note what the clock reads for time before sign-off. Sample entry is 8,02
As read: 2,10
